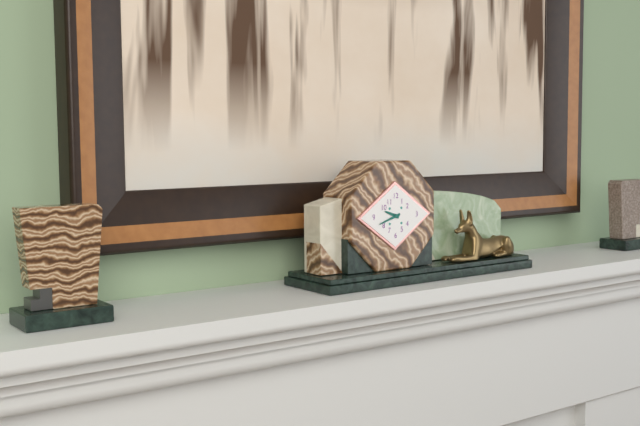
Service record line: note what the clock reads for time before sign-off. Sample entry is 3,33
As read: 9,42
